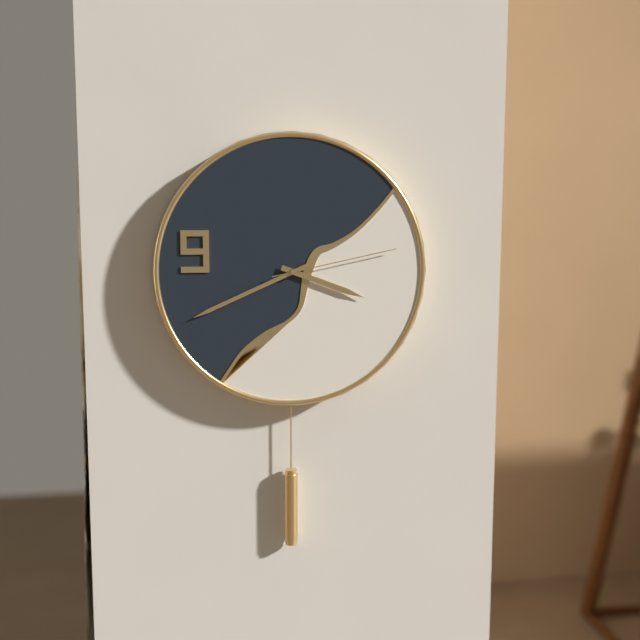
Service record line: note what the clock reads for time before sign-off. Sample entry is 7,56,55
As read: 3,41,13
